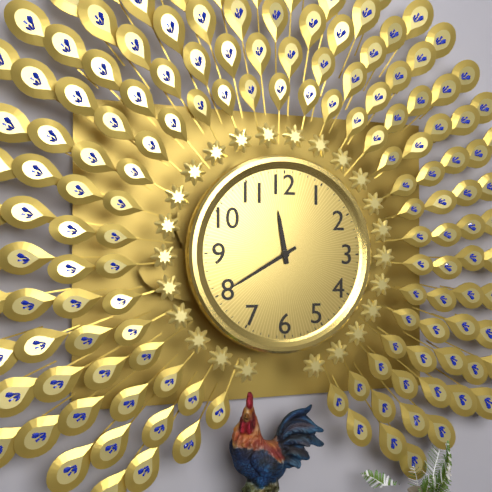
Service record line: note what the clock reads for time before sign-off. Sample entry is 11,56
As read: 11,40
